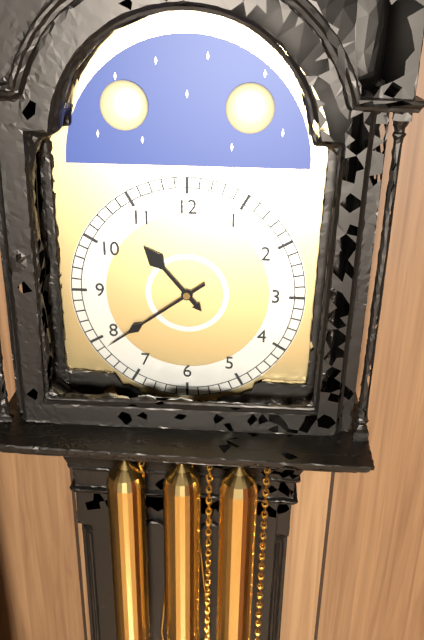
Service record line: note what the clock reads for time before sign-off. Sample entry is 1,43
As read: 10,39
